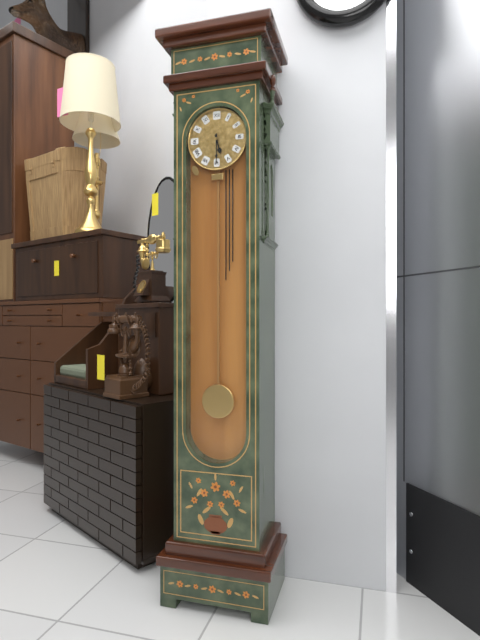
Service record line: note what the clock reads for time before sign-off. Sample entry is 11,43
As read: 5,30
